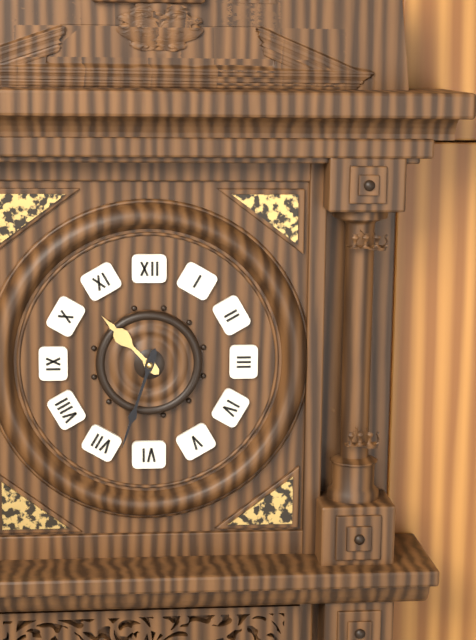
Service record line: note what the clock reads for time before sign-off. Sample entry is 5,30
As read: 10,33
